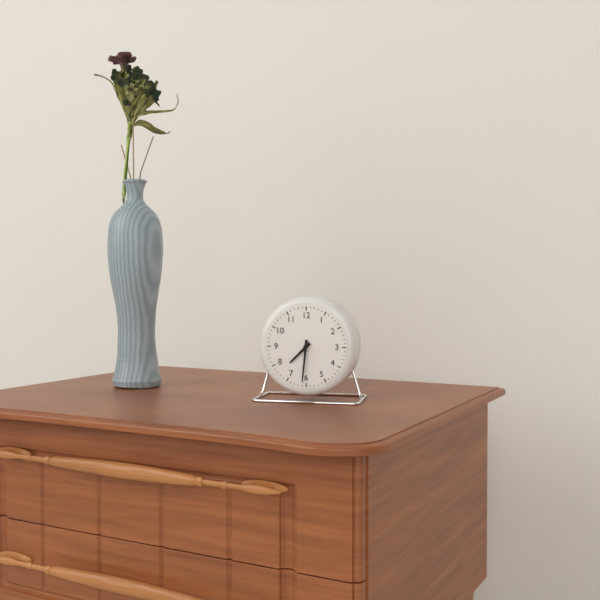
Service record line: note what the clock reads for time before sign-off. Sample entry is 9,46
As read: 7,31
